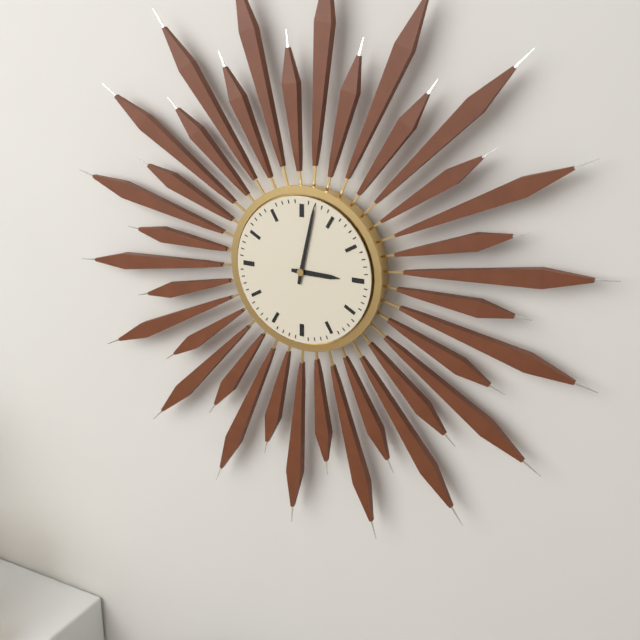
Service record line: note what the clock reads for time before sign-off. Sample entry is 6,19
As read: 3,02
